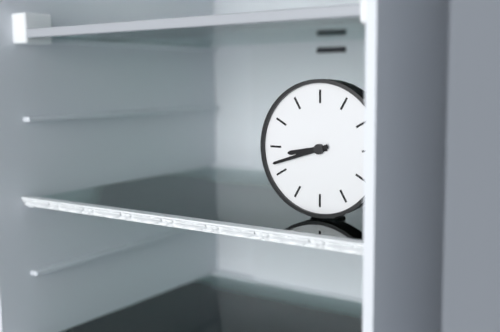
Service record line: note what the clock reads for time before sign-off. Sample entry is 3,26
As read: 8,42
